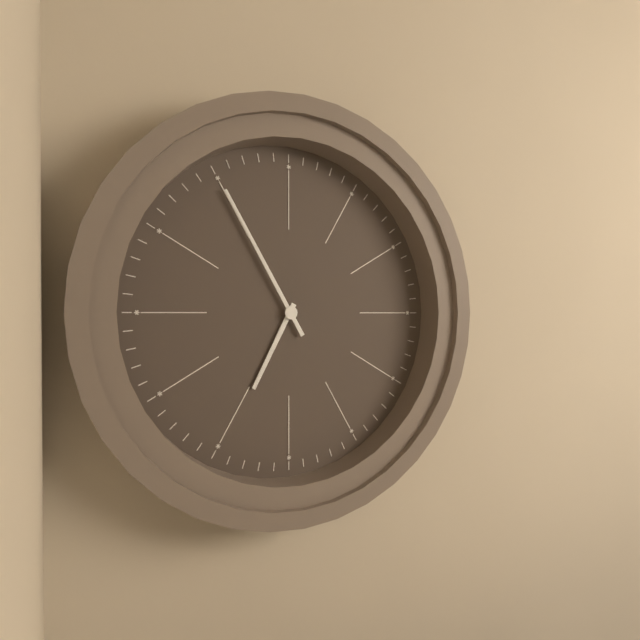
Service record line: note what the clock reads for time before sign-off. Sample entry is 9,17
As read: 6,55
